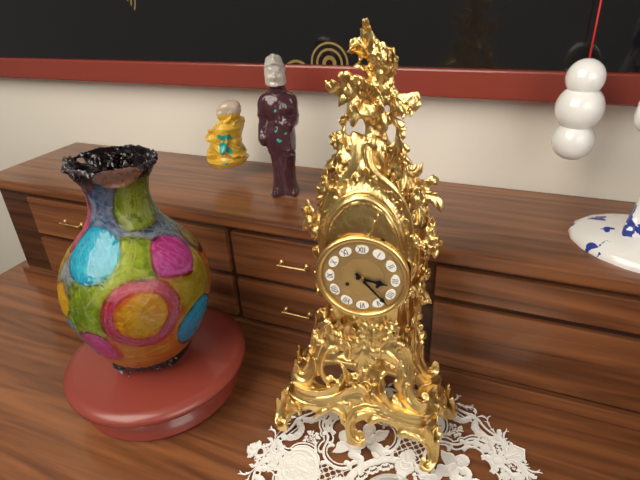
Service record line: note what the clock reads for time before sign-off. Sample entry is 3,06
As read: 3,23
